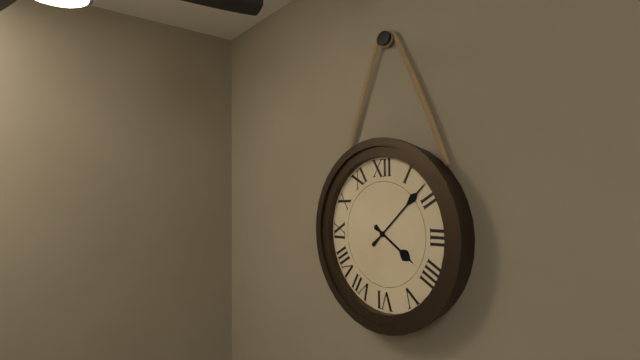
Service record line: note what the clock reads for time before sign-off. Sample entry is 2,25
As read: 4,08
